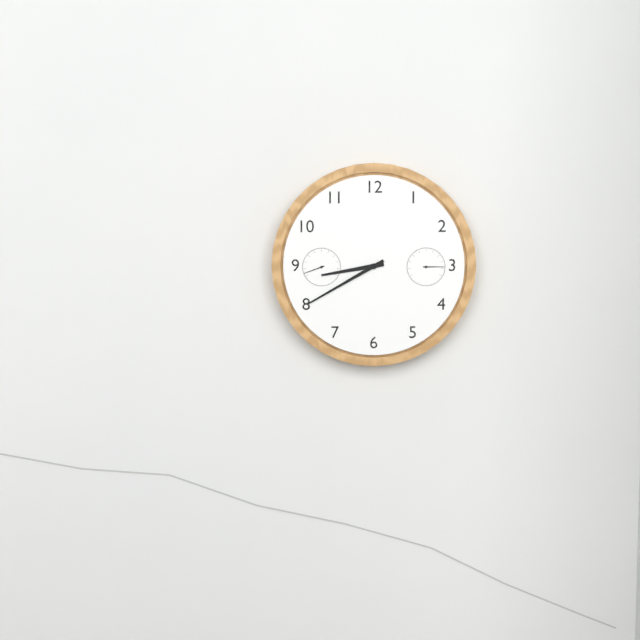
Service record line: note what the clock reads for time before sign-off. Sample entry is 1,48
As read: 8,40
